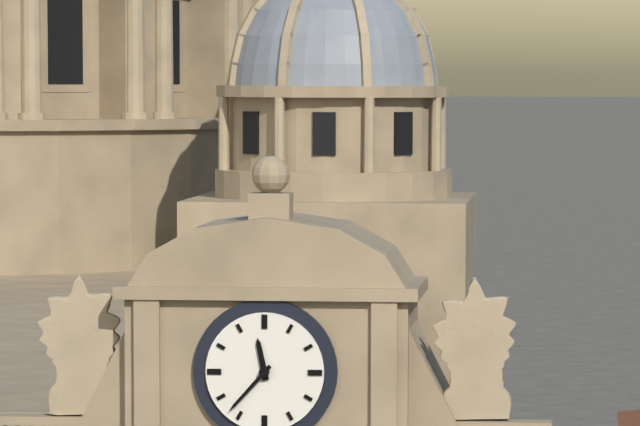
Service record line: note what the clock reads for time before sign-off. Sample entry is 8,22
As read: 11,37
